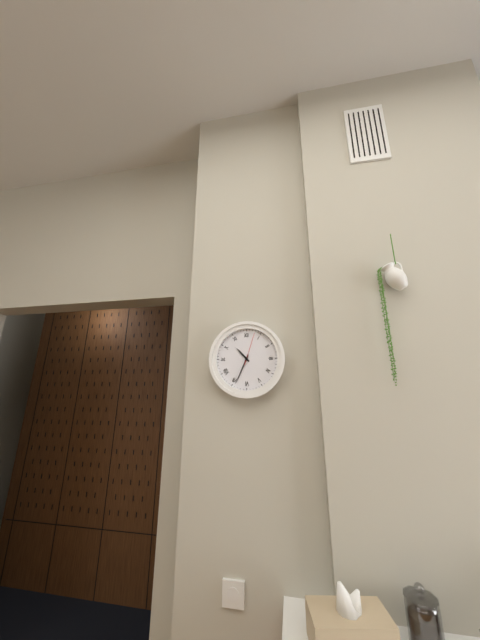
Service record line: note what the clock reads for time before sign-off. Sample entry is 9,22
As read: 10,34
